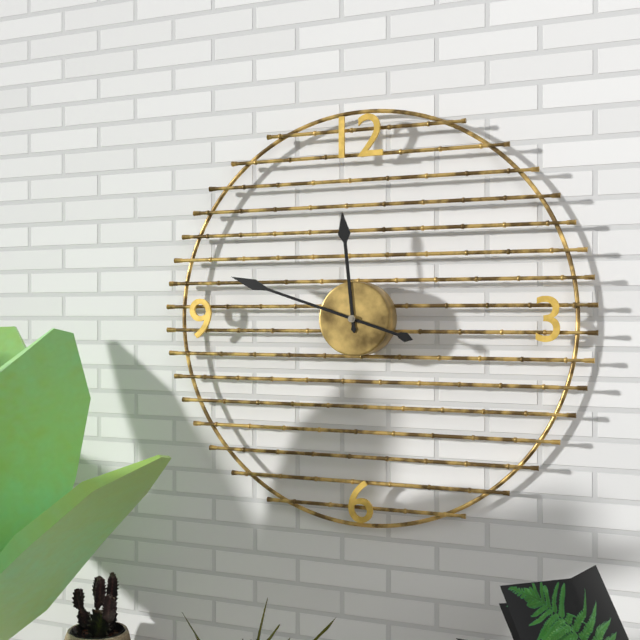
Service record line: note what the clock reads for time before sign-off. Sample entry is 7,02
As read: 11,48
